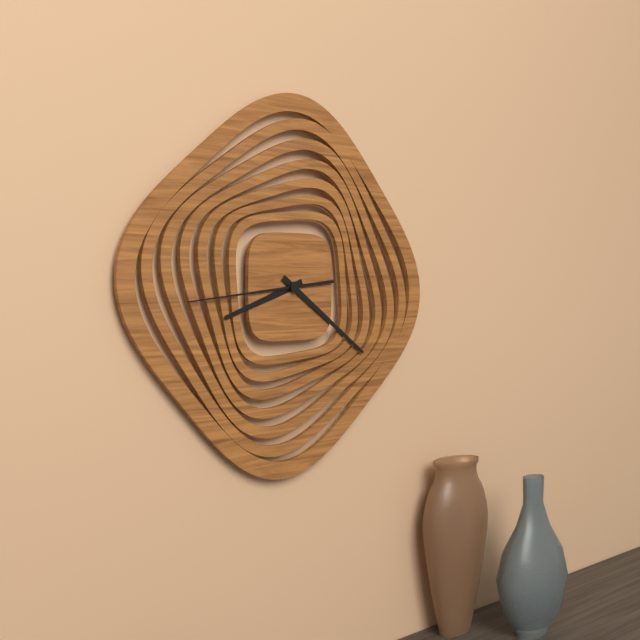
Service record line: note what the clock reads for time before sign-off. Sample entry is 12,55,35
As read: 8,21,44
